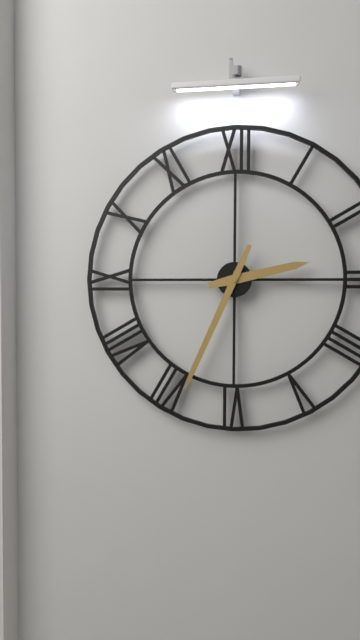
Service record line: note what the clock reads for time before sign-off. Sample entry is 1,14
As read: 2,34
